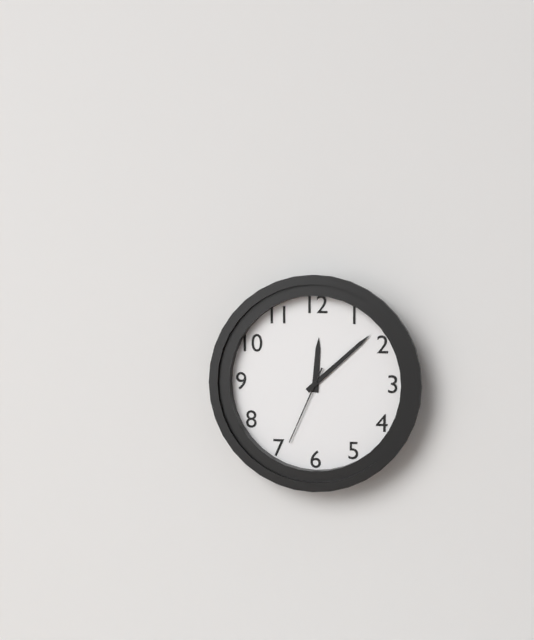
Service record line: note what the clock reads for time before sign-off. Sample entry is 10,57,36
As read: 12,08,34
